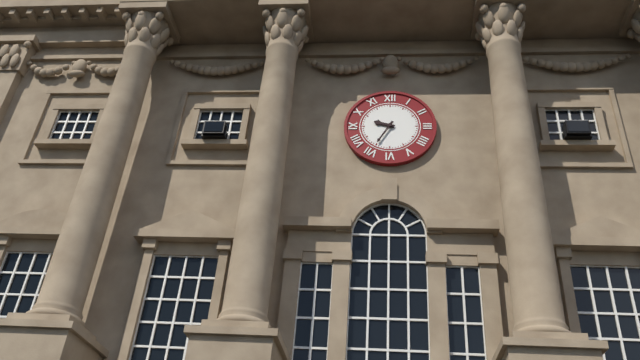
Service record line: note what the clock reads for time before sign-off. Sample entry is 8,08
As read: 9,35
